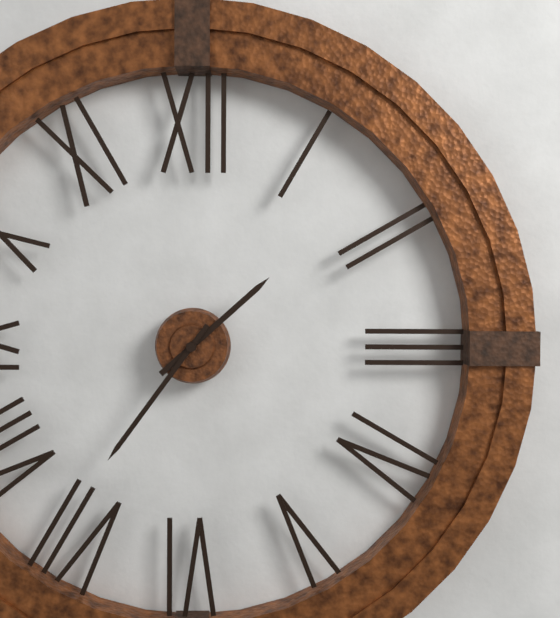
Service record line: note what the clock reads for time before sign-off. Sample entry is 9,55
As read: 1,36
